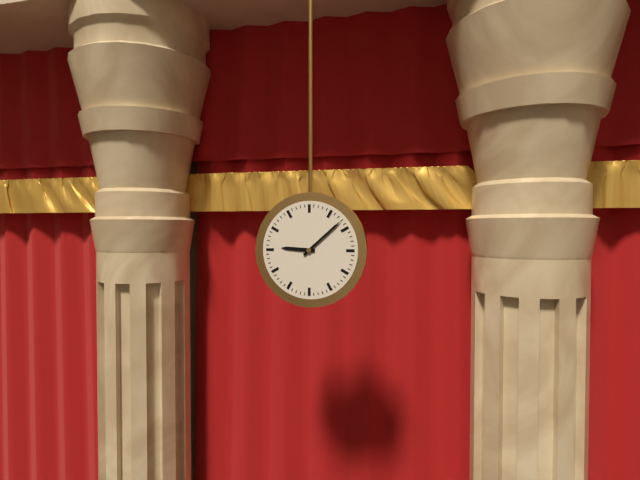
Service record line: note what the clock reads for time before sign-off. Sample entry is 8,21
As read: 9,08
